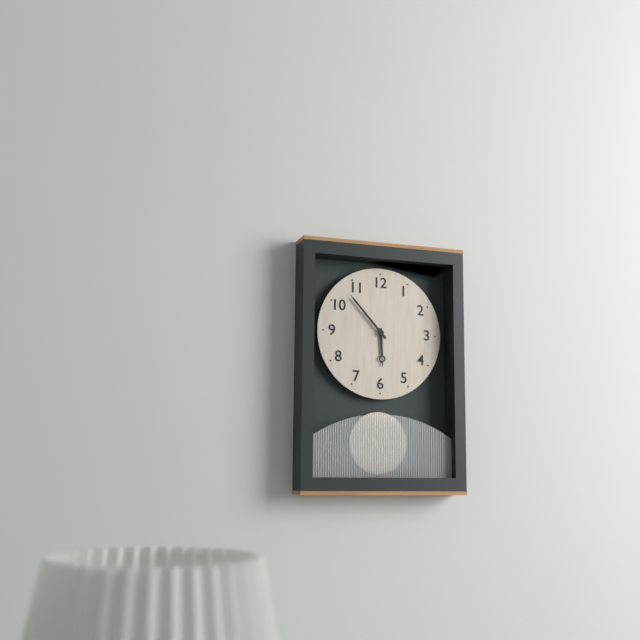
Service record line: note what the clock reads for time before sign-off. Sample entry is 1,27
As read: 5,53
